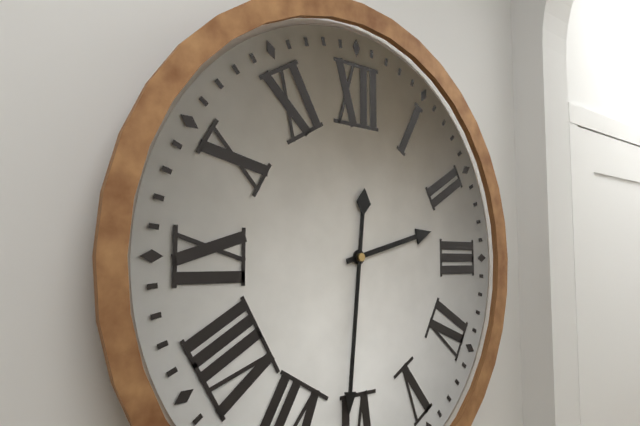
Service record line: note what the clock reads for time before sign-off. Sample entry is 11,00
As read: 2,31
